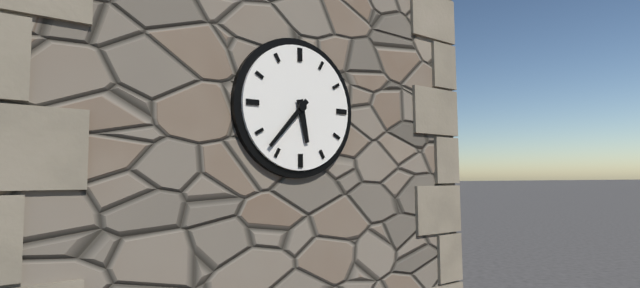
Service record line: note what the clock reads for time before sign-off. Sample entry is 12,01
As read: 5,37
